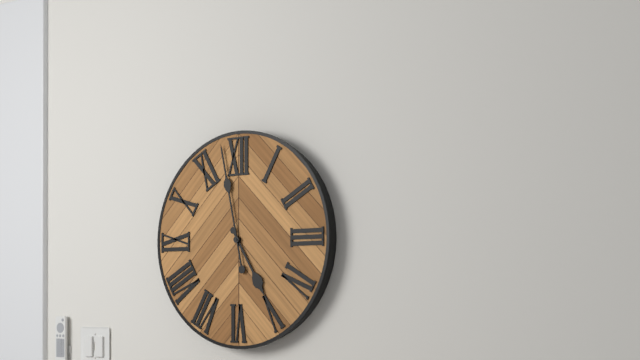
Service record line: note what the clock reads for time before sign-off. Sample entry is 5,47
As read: 4,58
